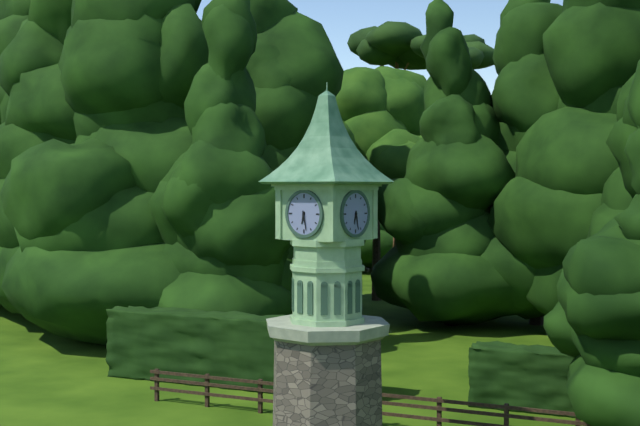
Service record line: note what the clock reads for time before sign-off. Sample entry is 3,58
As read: 6,28
